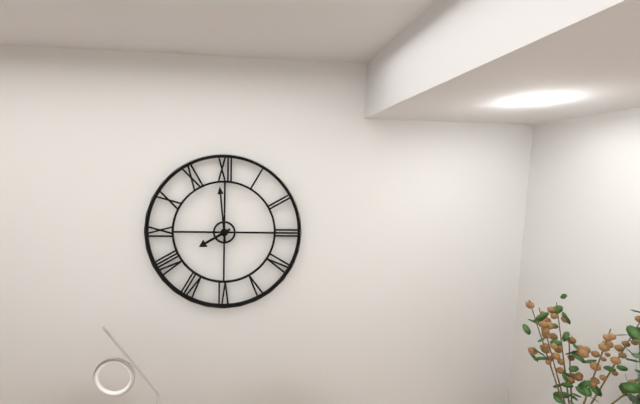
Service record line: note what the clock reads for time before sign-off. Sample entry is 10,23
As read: 7,59
